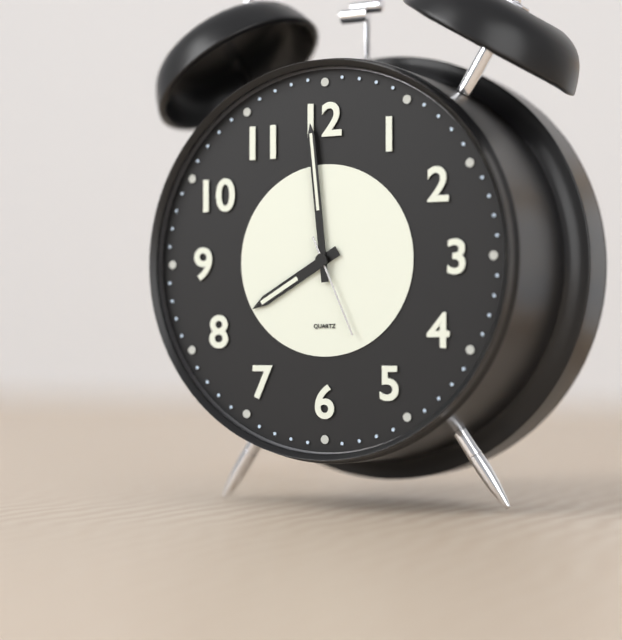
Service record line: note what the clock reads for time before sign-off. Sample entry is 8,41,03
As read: 7,59,26
